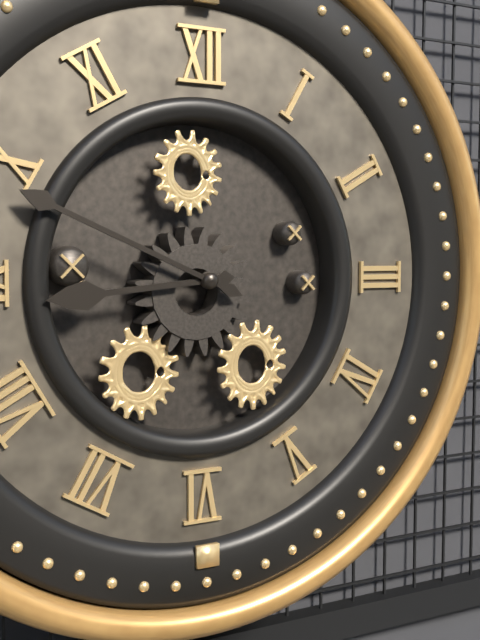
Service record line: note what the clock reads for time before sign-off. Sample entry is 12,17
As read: 8,49
